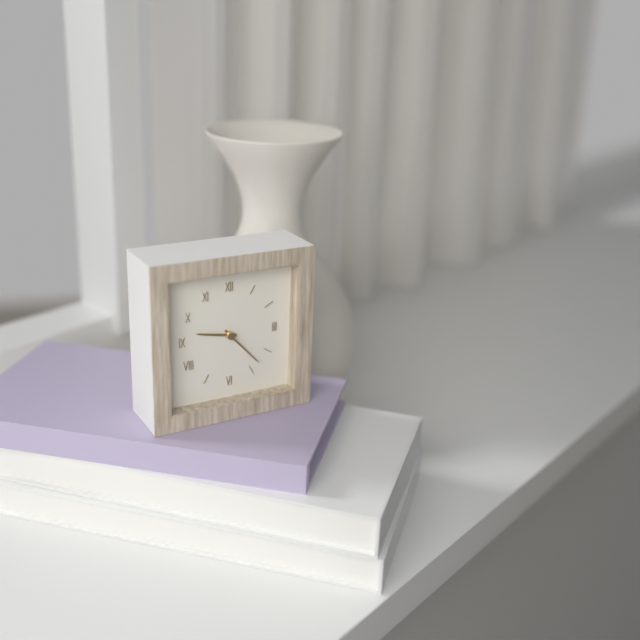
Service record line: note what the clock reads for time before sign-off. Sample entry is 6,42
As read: 9,23
